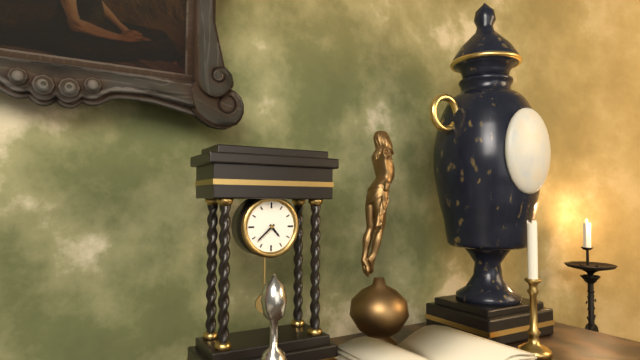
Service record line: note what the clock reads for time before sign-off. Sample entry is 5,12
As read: 4,38
